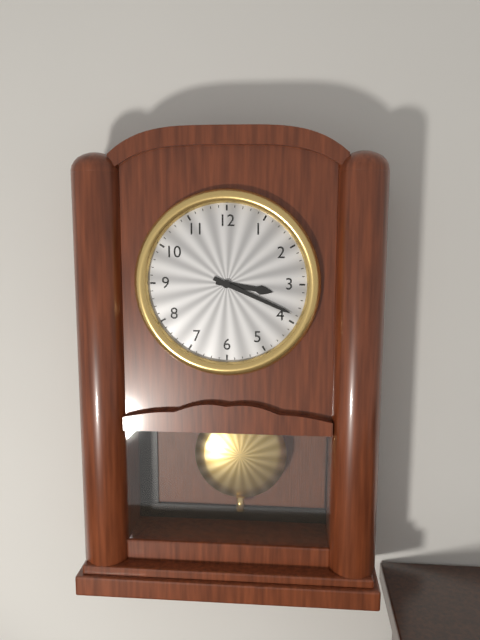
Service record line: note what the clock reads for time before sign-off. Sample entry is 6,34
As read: 3,19
